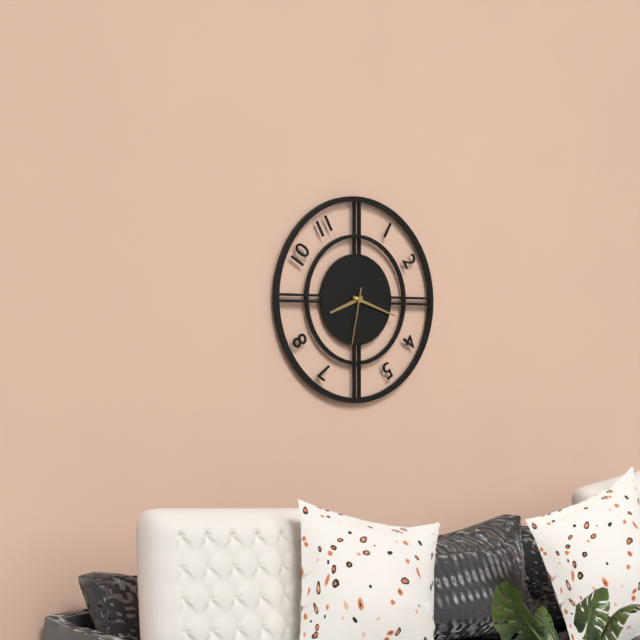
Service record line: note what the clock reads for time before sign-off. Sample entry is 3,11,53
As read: 8,18,32
